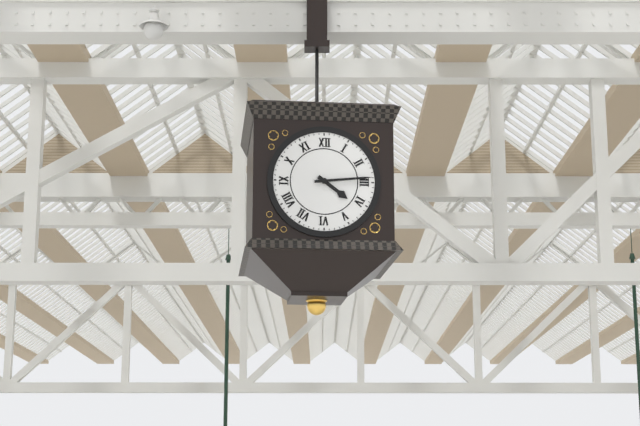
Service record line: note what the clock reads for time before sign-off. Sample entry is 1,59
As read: 4,14
